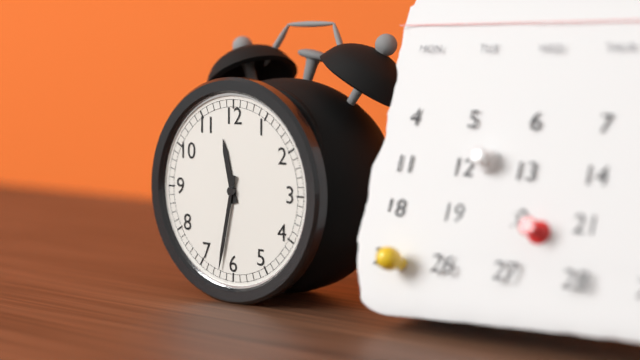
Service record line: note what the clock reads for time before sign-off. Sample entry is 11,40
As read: 11,32
